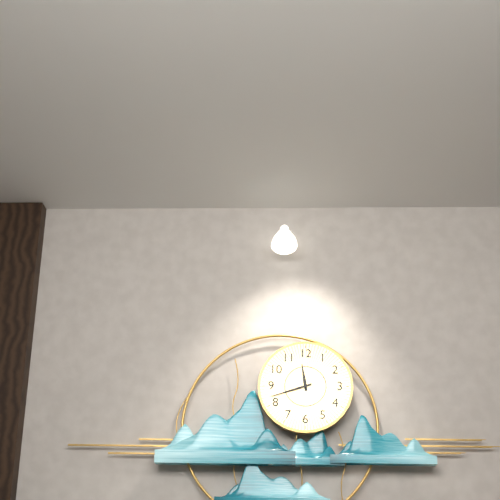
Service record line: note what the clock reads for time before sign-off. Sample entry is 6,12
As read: 11,42
